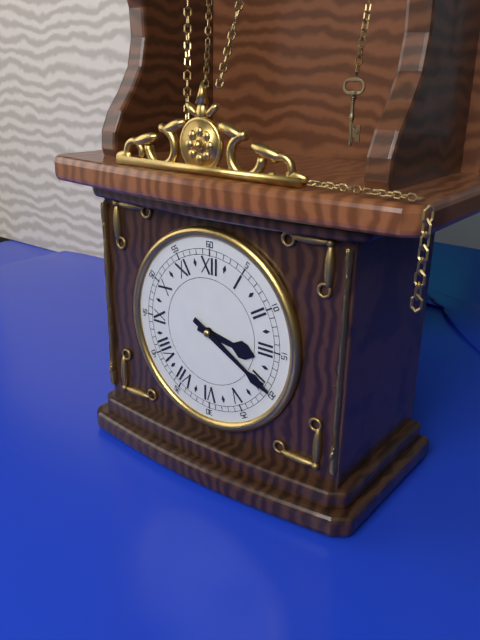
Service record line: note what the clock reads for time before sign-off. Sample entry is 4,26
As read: 3,20
